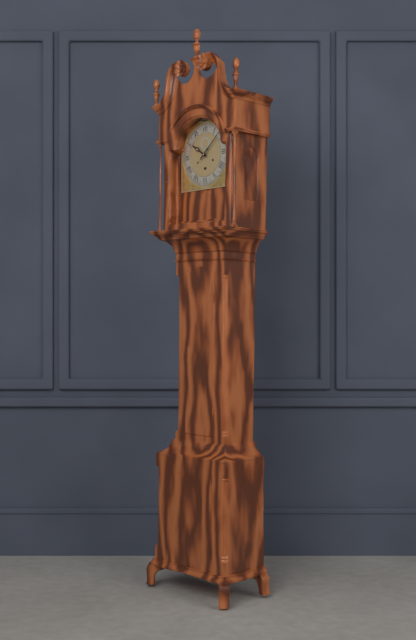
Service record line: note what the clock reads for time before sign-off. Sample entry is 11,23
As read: 10,08
